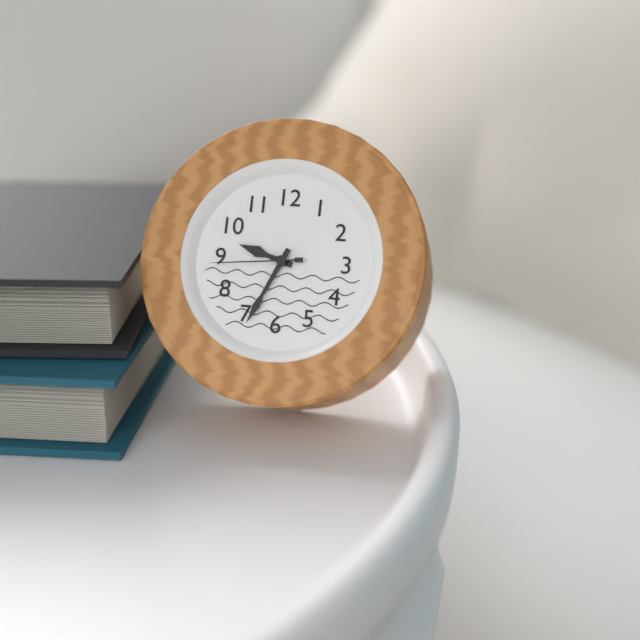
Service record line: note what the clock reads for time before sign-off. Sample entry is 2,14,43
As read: 9,34,44
